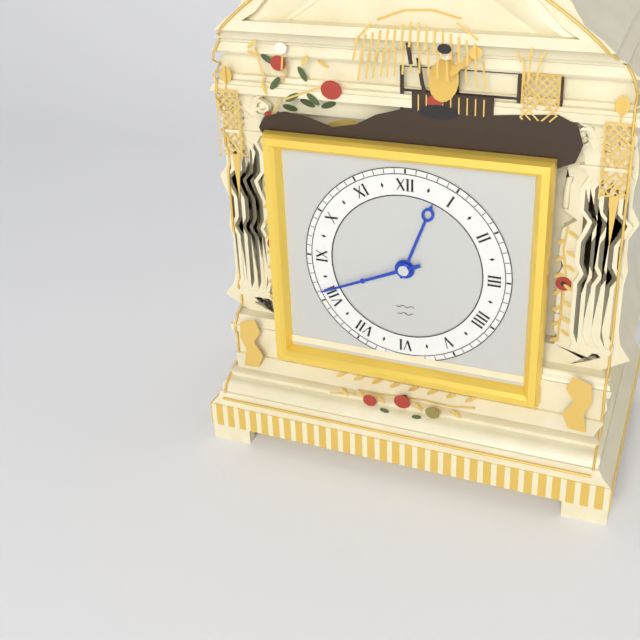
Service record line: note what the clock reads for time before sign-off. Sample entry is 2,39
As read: 12,41
